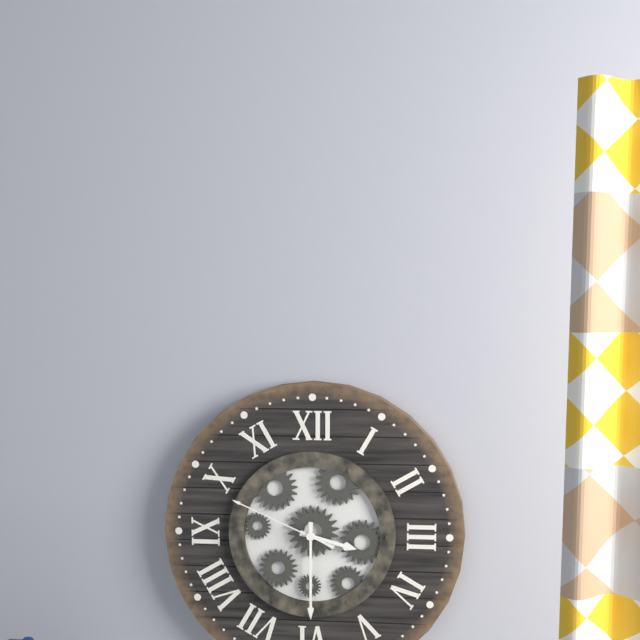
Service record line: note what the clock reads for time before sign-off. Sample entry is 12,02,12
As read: 3,30,49
